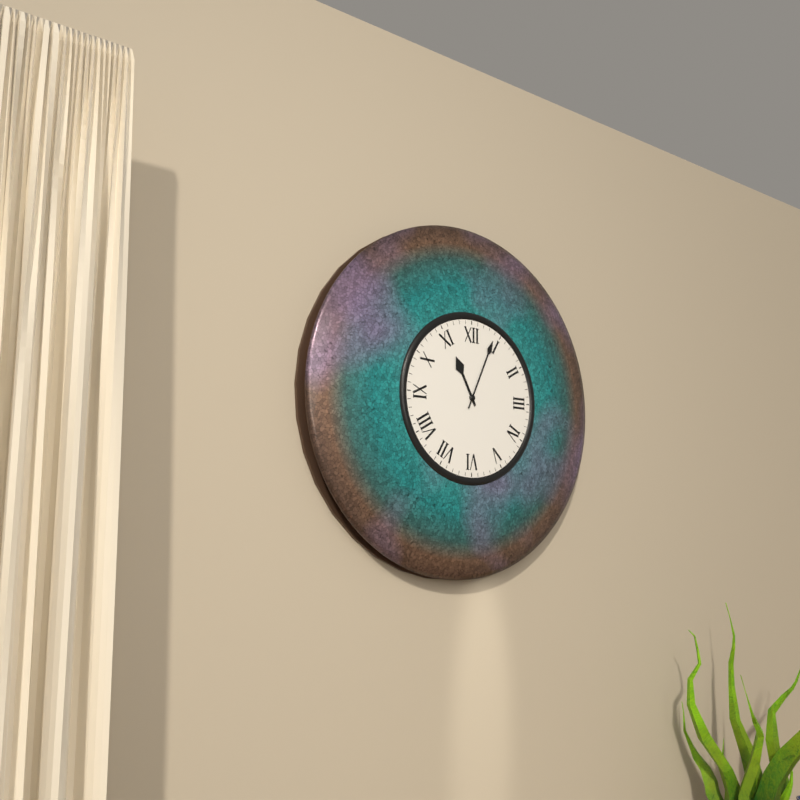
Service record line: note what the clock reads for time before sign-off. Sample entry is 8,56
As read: 11,04
